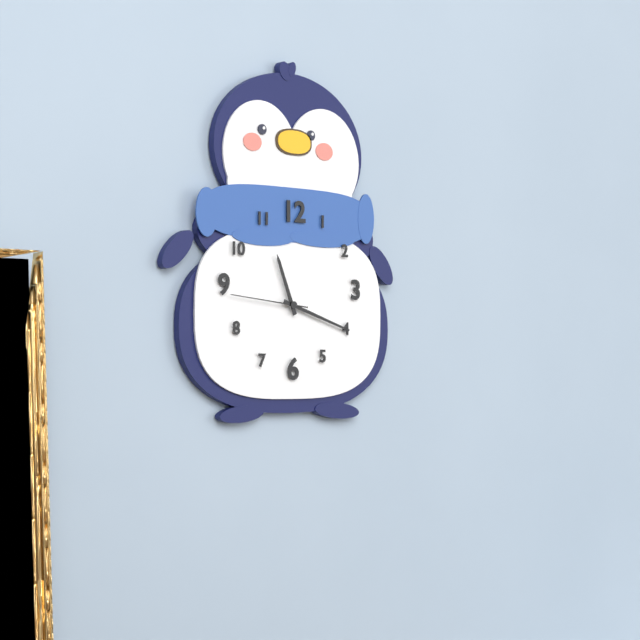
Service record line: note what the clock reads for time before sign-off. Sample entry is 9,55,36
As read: 11,18,46
